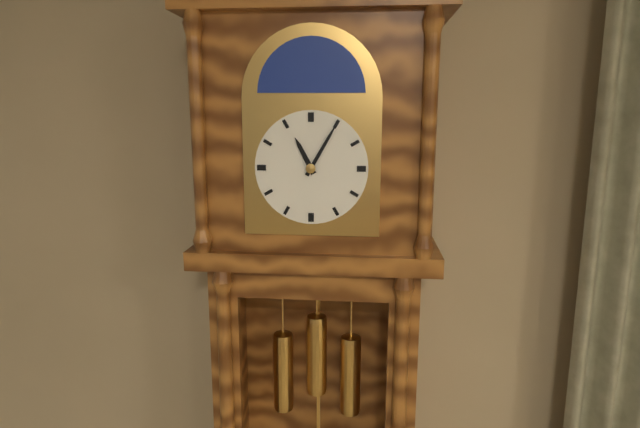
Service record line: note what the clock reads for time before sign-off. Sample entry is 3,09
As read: 11,05
